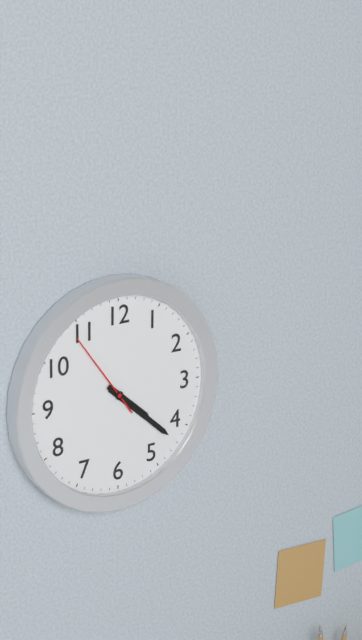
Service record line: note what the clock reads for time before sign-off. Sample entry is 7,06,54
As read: 4,22,54
